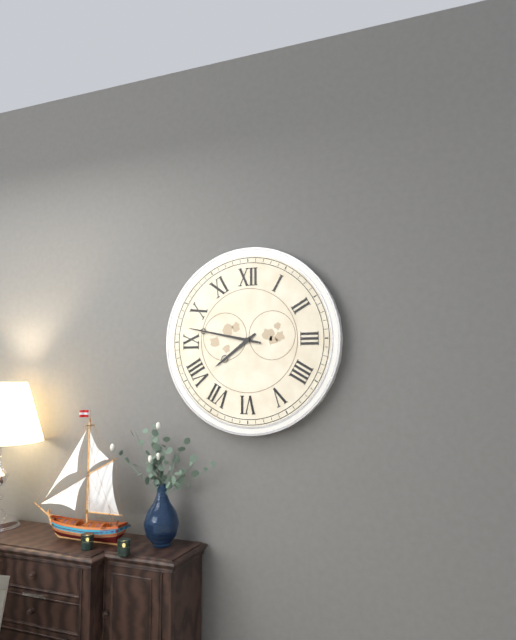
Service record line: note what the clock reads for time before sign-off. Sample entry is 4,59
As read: 7,47
